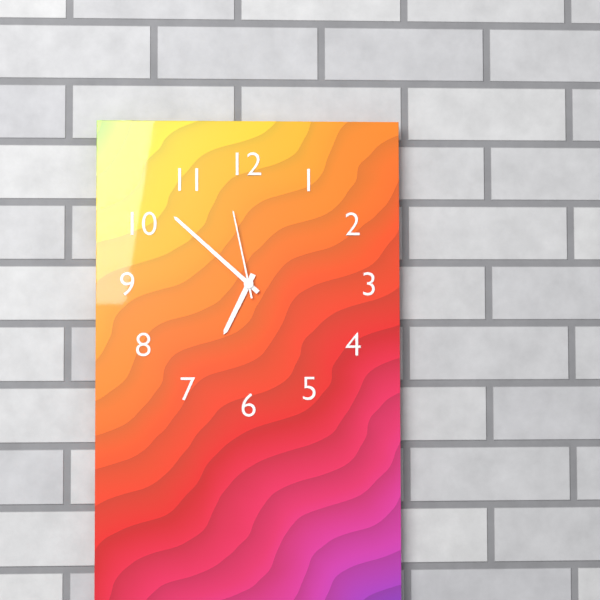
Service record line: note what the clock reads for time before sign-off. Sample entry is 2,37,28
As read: 6,52,58
